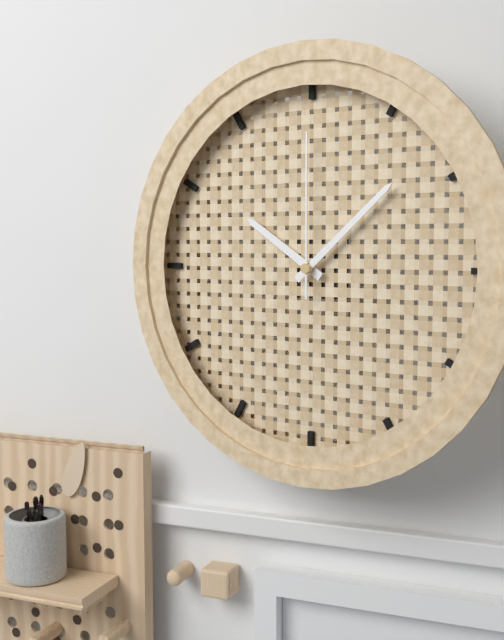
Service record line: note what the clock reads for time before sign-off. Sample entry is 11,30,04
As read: 10,08,00
